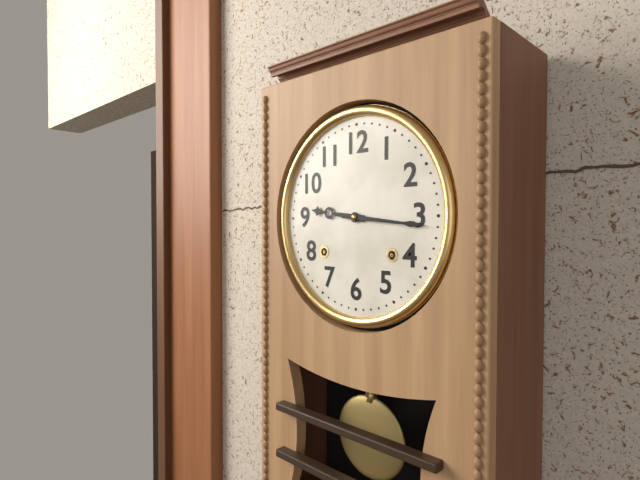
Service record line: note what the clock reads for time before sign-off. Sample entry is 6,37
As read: 9,16
